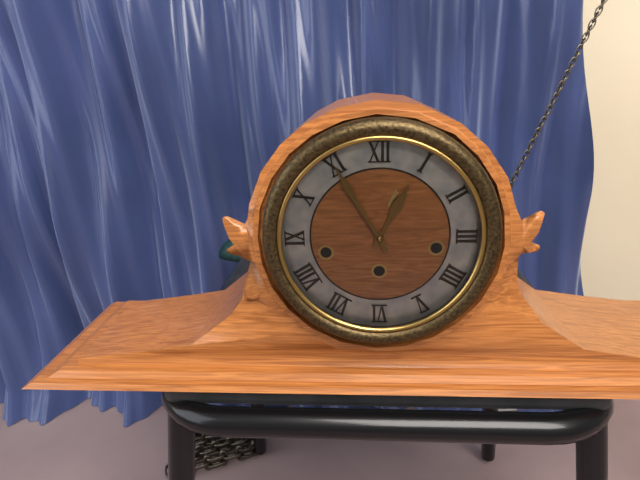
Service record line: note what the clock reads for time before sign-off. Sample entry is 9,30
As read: 12,55
